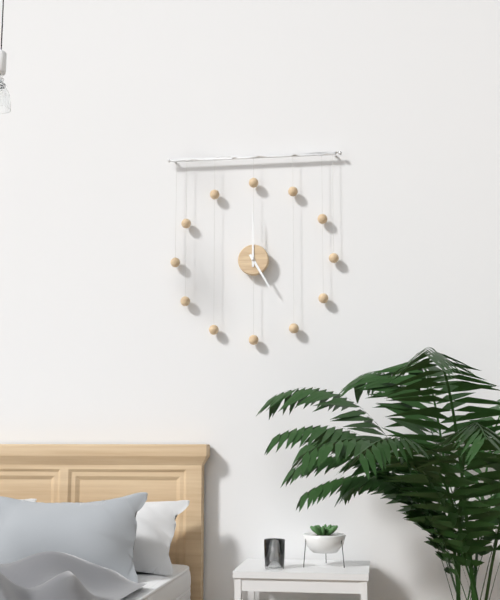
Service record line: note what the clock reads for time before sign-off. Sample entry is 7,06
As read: 5,00
